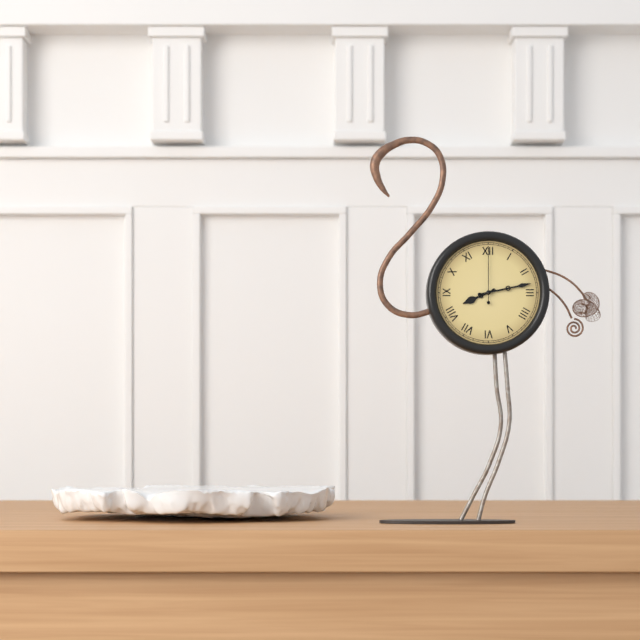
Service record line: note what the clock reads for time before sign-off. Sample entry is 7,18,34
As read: 8,13,00
